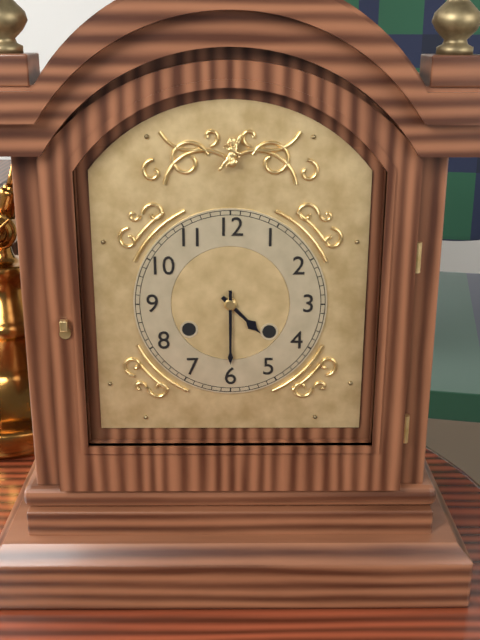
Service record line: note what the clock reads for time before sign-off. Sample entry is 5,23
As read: 4,30
